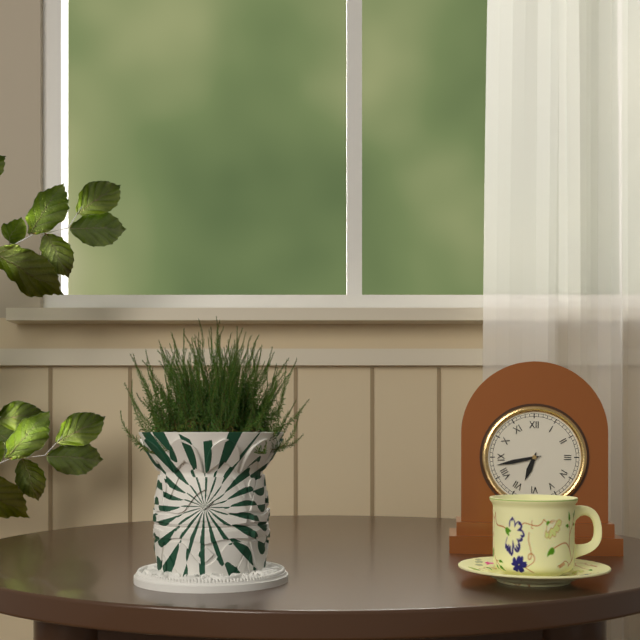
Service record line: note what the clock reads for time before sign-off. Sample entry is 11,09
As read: 6,43
